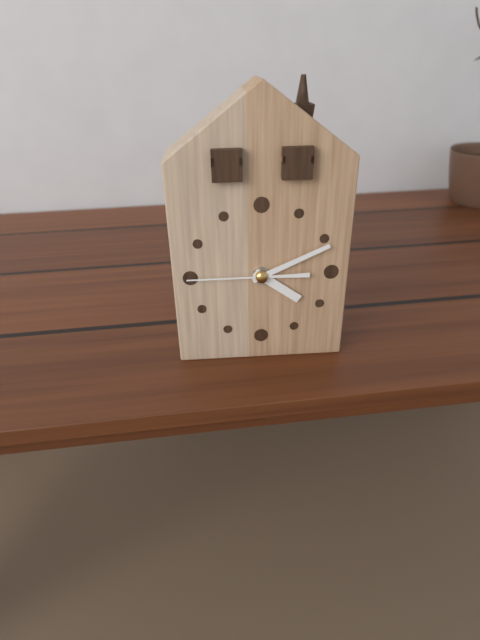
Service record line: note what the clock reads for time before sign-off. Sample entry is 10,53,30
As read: 4,11,45
